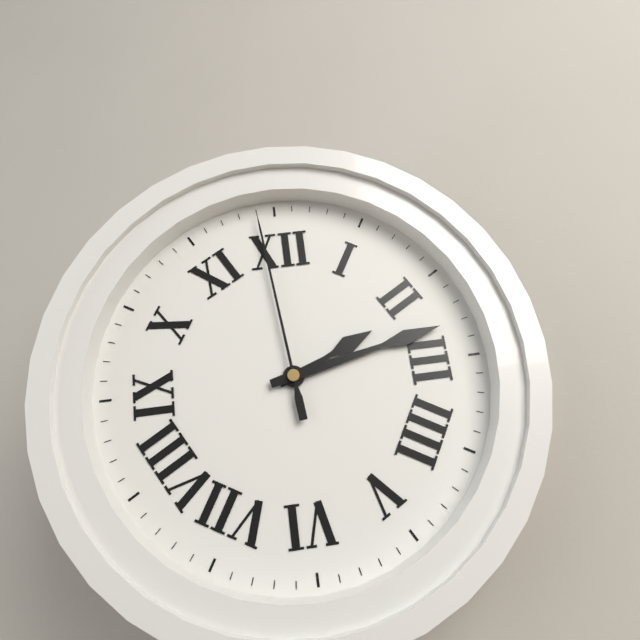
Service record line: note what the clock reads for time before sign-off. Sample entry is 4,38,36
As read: 2,13,59
